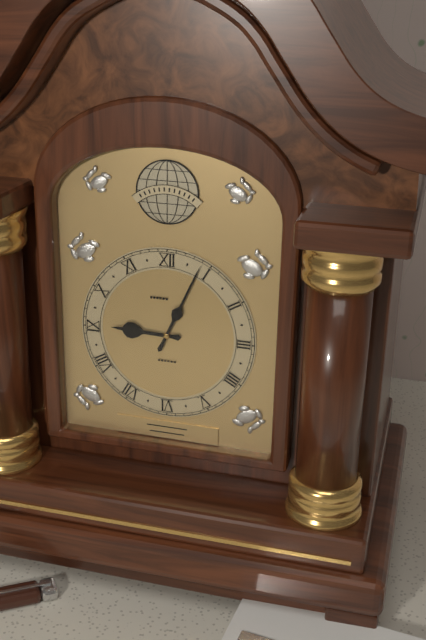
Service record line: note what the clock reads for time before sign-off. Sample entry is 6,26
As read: 9,04
